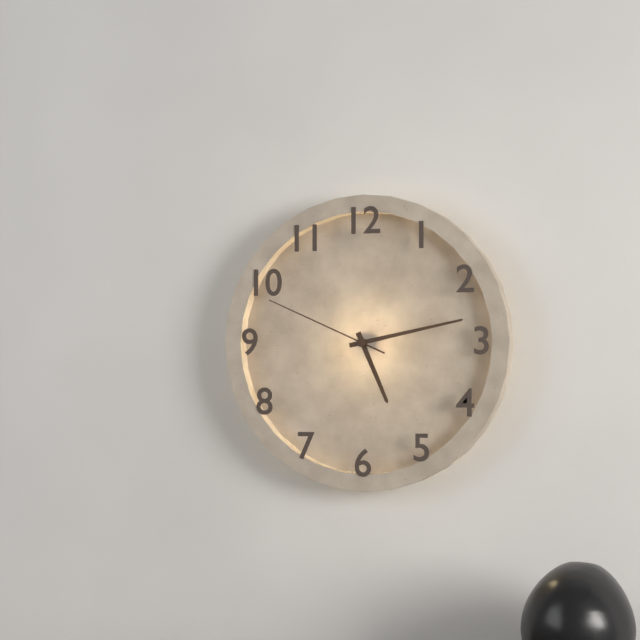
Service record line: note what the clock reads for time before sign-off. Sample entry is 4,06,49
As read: 5,13,49
